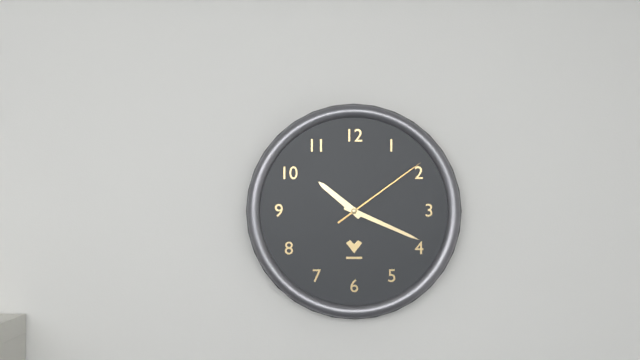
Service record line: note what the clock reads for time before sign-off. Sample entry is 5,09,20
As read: 10,19,09
